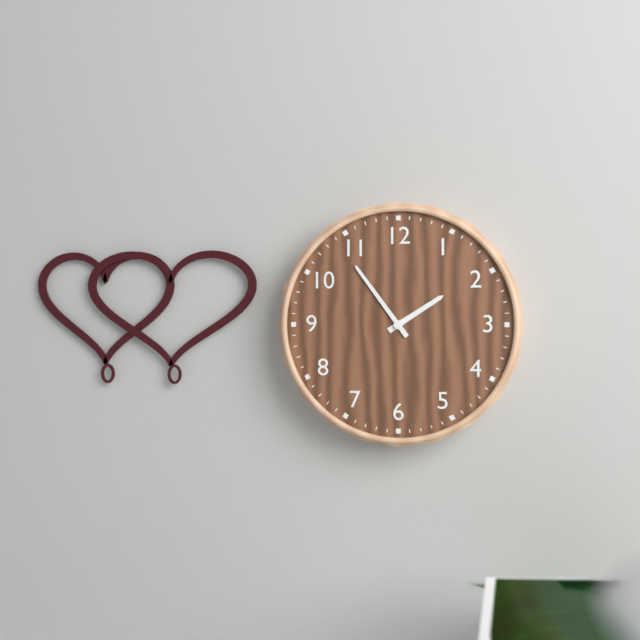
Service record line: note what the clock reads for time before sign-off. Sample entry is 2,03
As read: 1,54
